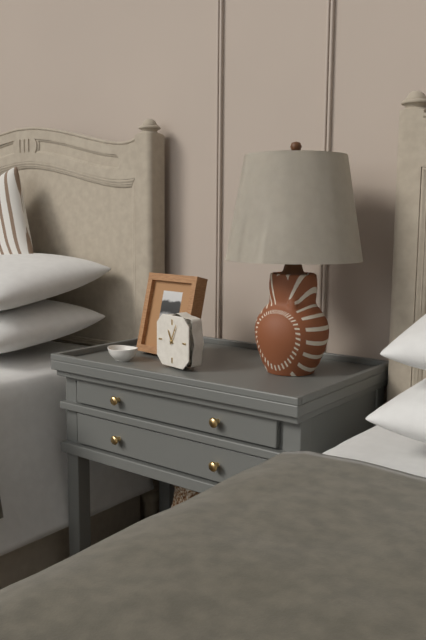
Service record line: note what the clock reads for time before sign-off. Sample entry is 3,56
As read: 11,04
